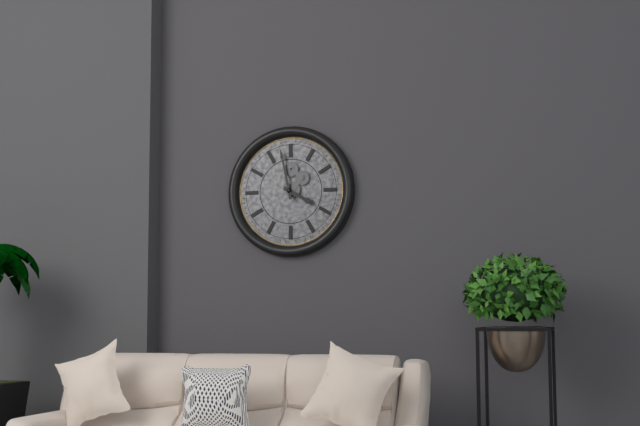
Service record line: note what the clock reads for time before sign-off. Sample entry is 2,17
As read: 3,58
